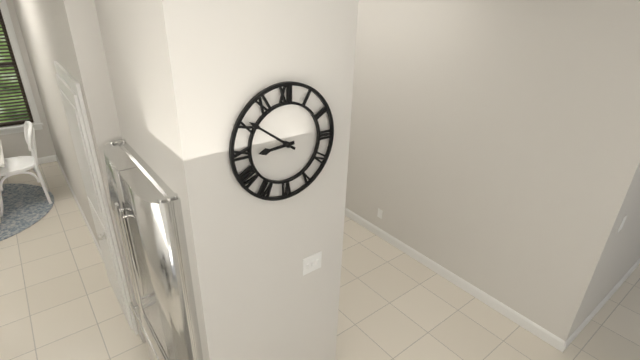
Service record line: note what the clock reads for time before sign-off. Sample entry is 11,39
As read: 8,51
